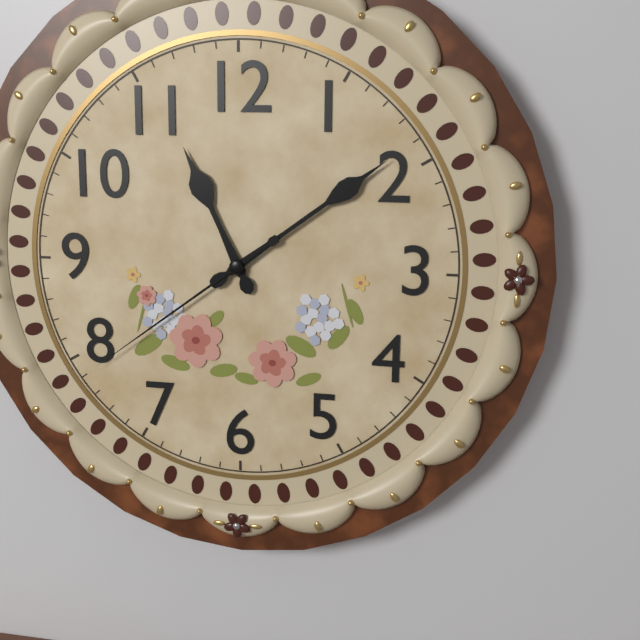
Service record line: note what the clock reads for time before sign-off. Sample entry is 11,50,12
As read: 11,09,39
